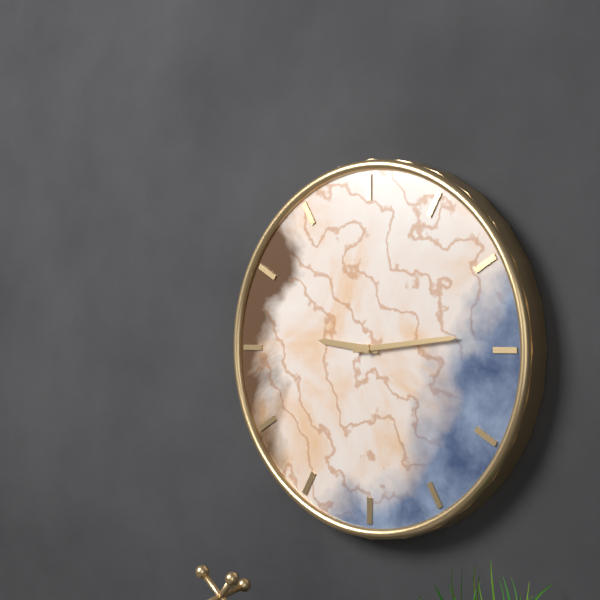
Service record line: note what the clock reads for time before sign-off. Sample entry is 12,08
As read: 9,14
